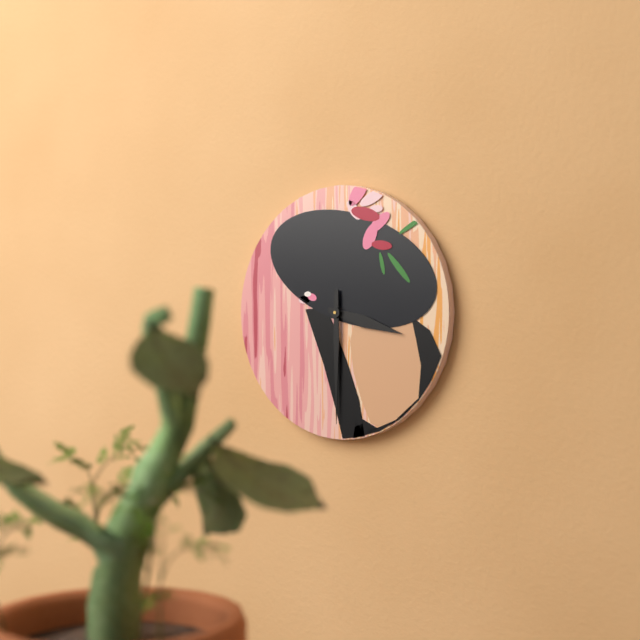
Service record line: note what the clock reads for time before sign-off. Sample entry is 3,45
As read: 3,30
